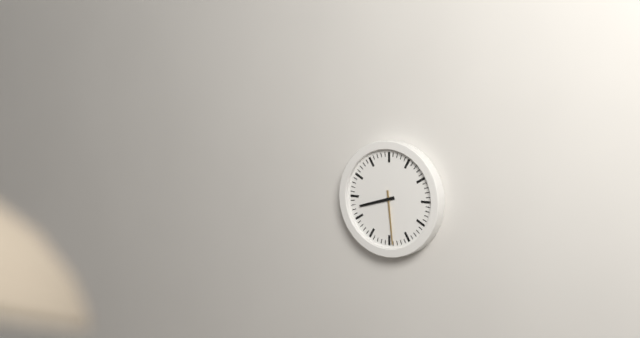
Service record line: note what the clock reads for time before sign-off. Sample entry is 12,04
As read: 8,29
